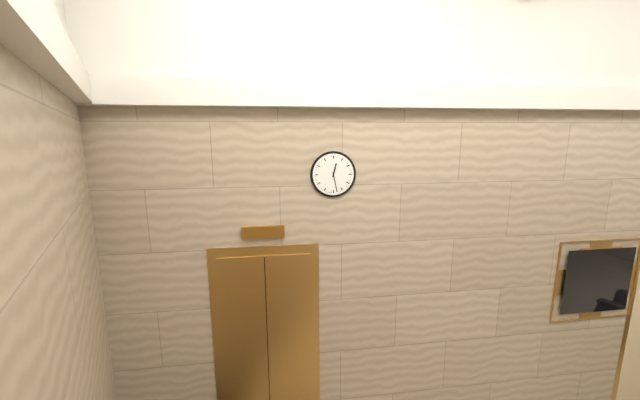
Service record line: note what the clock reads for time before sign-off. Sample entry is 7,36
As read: 12,28
